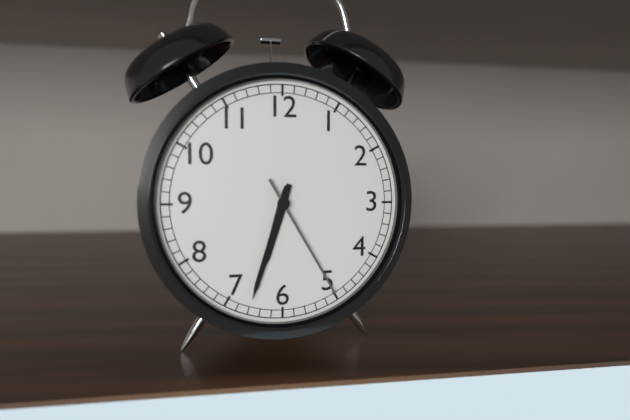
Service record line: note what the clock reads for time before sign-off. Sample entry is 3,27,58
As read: 6,33,25
